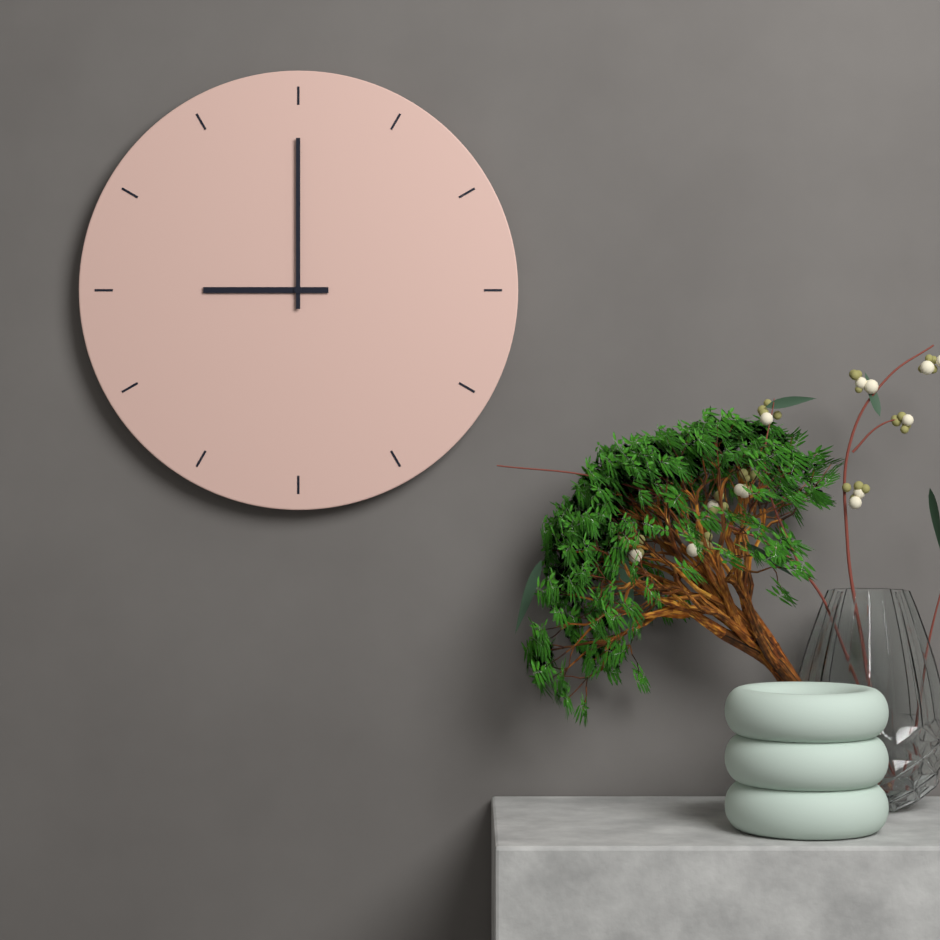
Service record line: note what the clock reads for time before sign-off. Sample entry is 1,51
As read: 9,00
